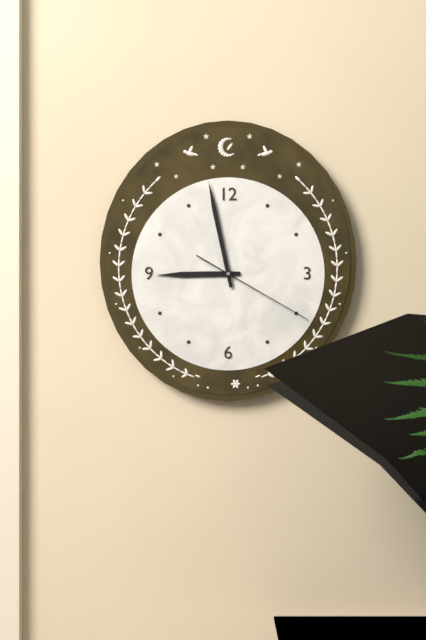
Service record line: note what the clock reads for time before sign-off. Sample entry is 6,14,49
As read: 8,58,20
